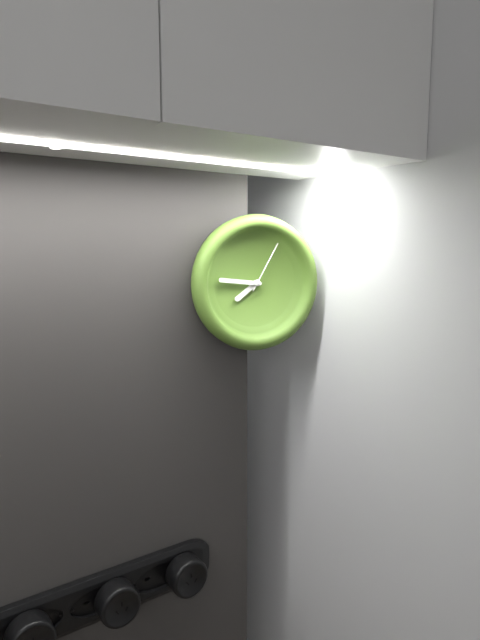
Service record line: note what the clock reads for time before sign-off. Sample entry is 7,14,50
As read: 7,46,05
